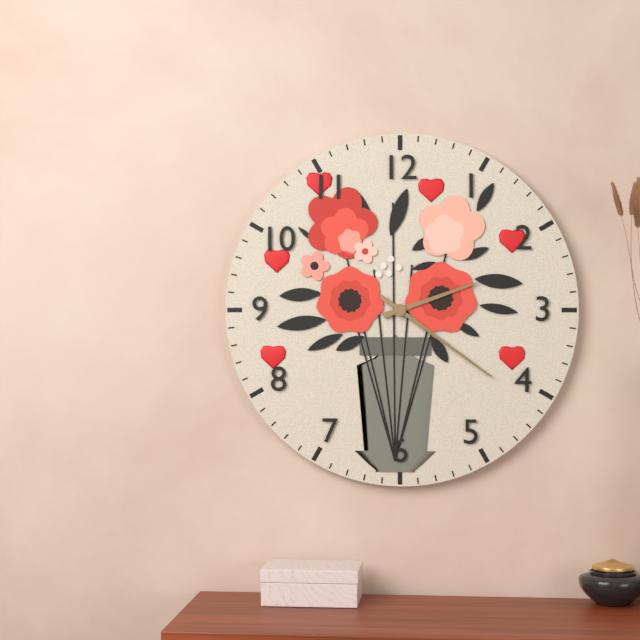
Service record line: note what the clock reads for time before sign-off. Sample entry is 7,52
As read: 2,21
